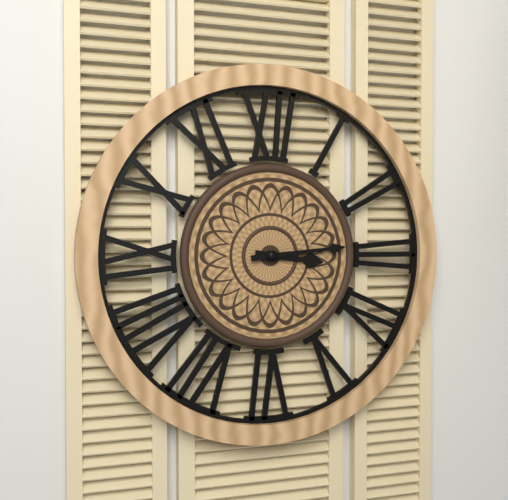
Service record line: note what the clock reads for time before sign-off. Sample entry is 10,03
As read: 3,14
